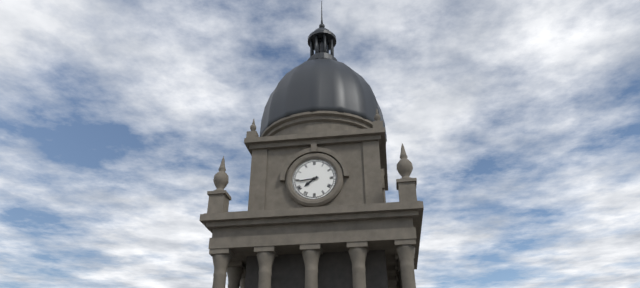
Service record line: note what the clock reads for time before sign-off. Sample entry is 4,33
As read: 7,44
